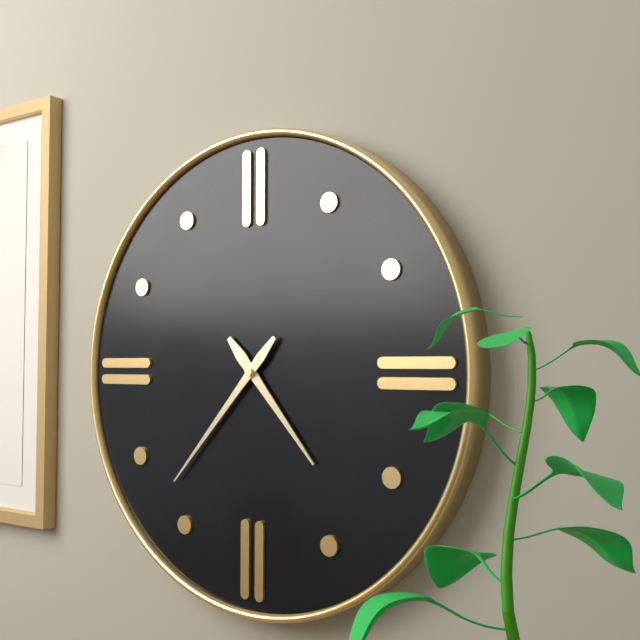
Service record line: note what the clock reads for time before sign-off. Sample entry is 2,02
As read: 4,37
